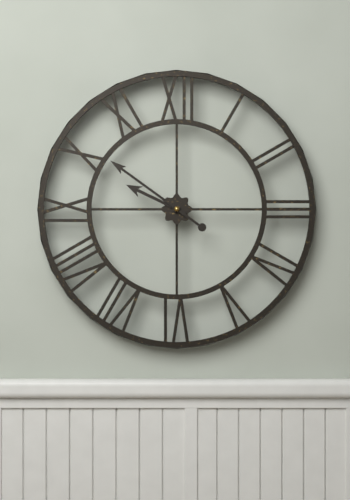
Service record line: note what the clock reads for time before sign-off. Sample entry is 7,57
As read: 9,51
